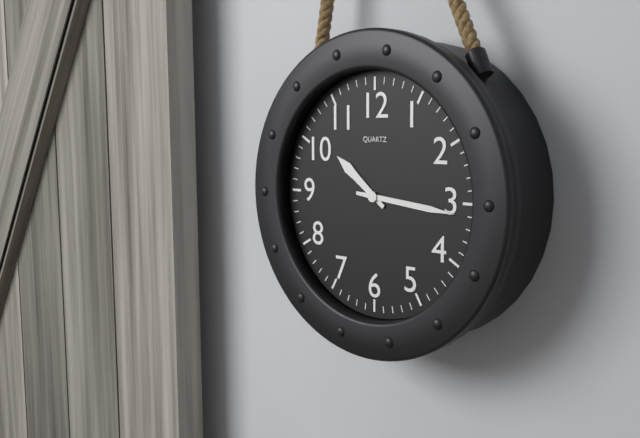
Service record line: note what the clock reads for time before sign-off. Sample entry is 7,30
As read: 10,16
